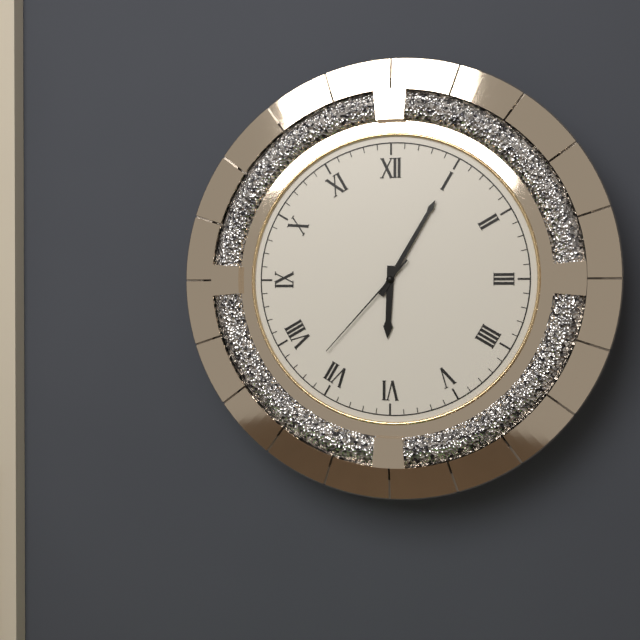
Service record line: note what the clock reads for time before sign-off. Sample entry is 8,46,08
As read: 6,05,37
